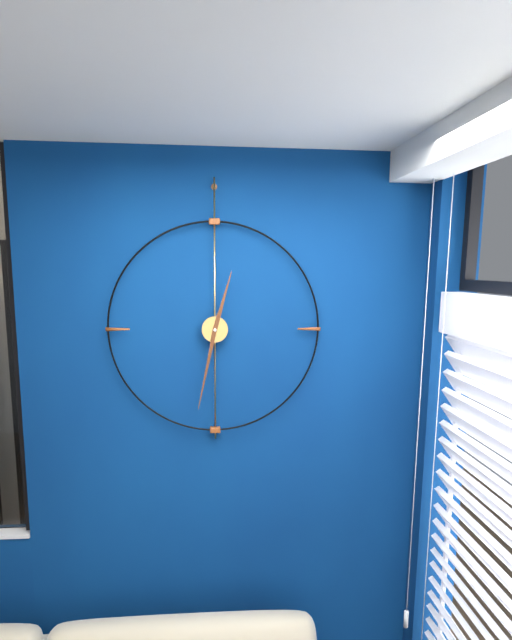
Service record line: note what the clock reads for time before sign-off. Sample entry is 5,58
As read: 12,32
